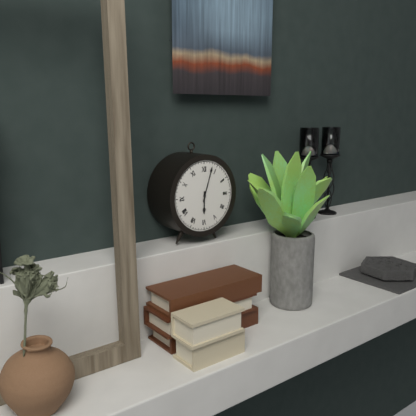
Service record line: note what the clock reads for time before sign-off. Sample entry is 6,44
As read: 6,03
